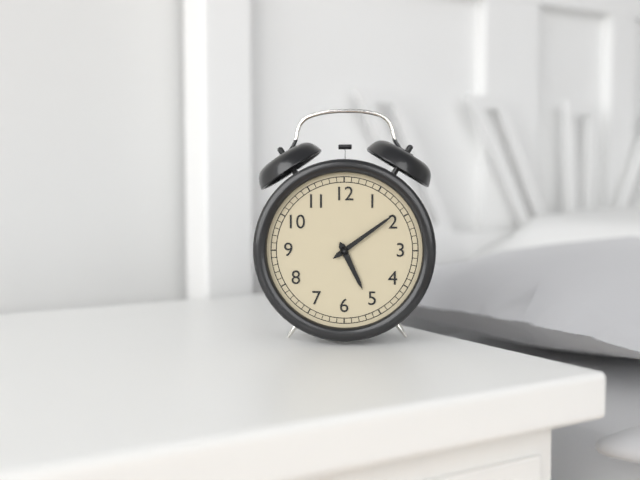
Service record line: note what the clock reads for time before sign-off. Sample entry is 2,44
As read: 5,09
